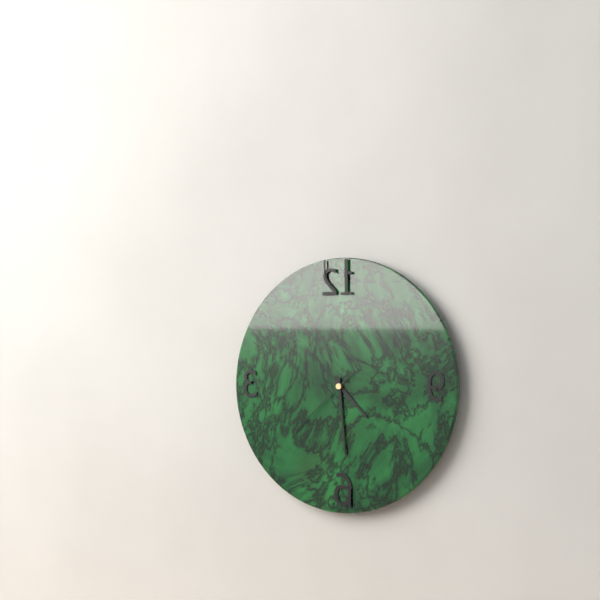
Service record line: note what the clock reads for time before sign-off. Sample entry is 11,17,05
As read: 4,29,38
